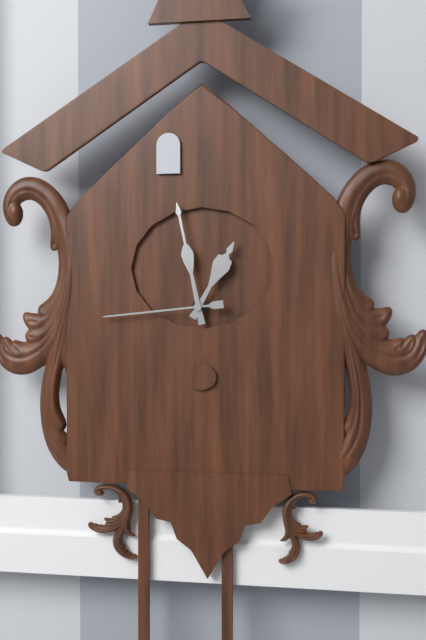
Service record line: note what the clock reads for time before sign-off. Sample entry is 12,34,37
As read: 12,58,44
